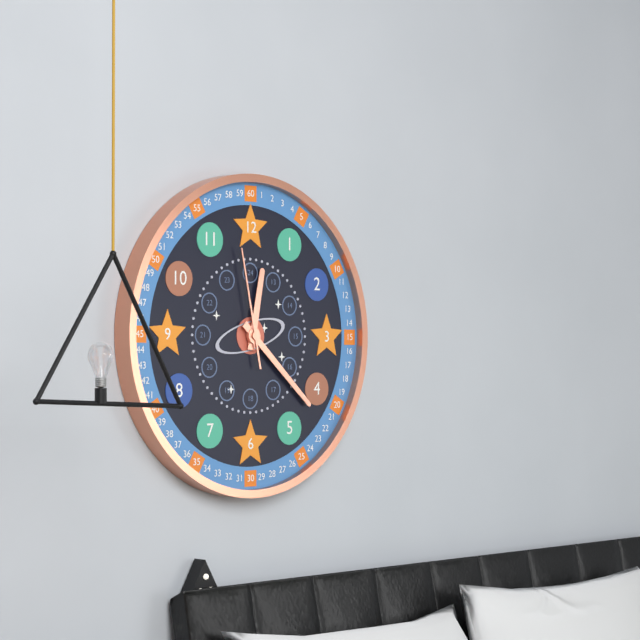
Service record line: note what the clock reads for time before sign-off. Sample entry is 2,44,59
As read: 12,22,58
